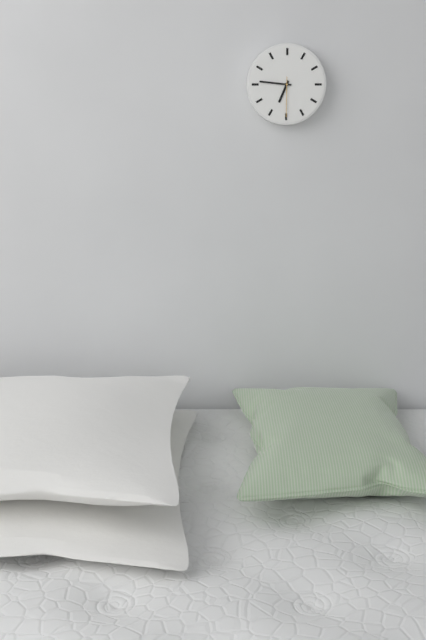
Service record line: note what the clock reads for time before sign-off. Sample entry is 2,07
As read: 6,46
